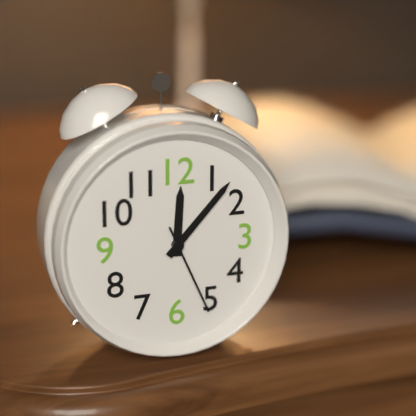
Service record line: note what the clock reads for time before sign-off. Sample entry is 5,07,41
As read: 12,07,26
